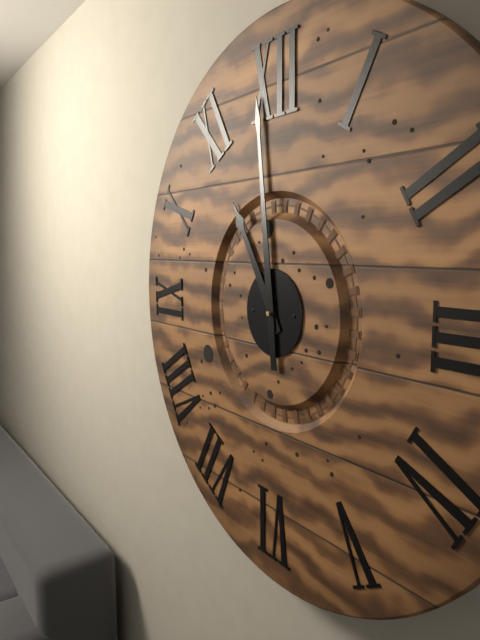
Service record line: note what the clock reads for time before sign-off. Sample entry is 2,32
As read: 10,59
